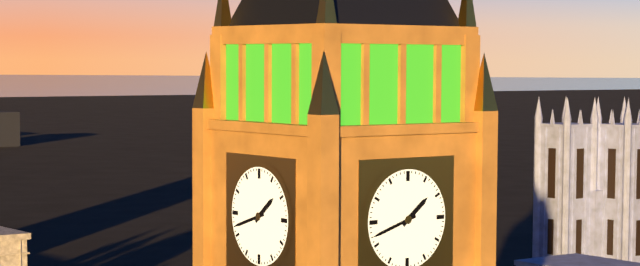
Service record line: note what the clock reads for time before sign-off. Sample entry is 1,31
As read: 1,42
